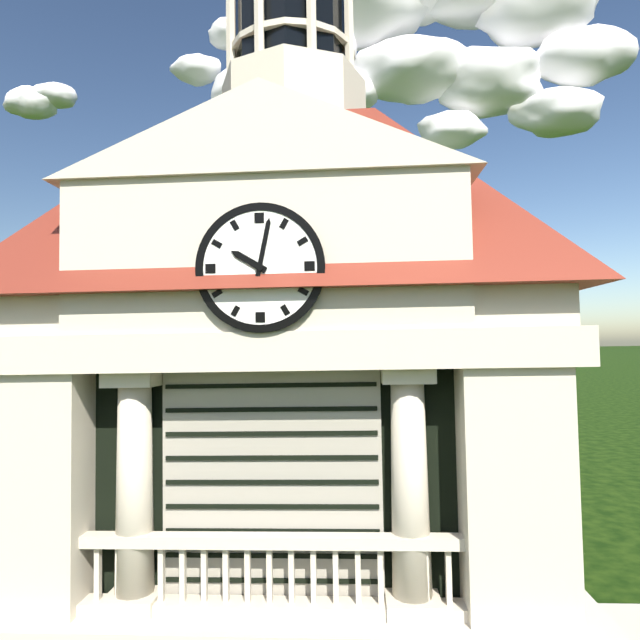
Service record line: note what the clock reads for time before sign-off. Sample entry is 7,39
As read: 10,02
